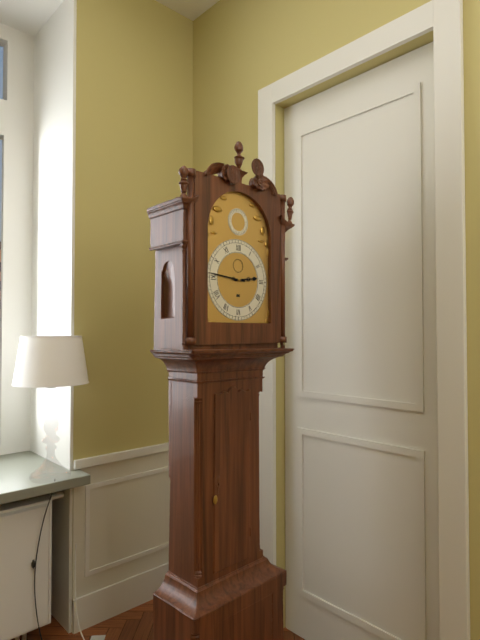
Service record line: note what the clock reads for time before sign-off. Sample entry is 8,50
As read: 2,46
